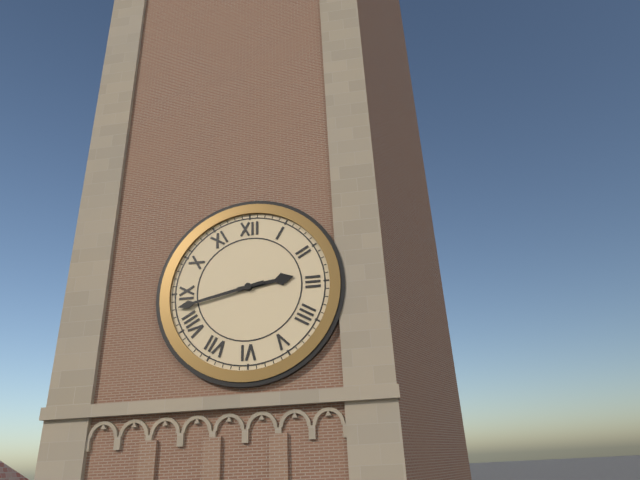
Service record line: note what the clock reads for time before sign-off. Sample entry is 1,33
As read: 2,43
